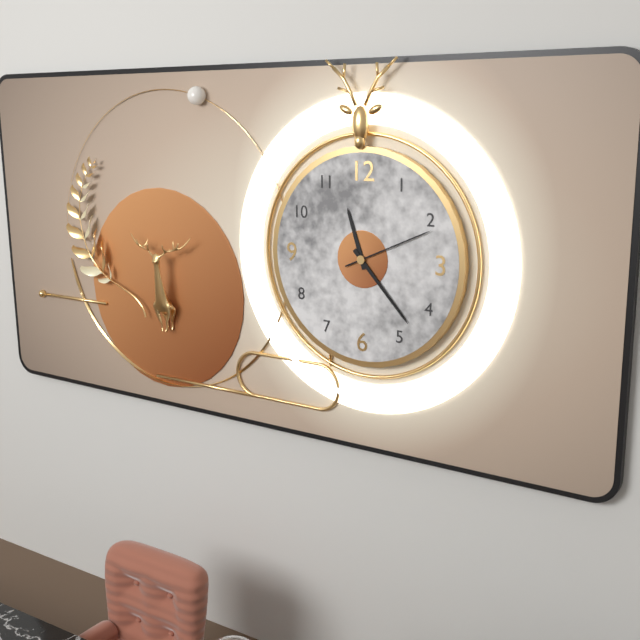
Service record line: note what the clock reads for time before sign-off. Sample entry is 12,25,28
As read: 11,23,11
